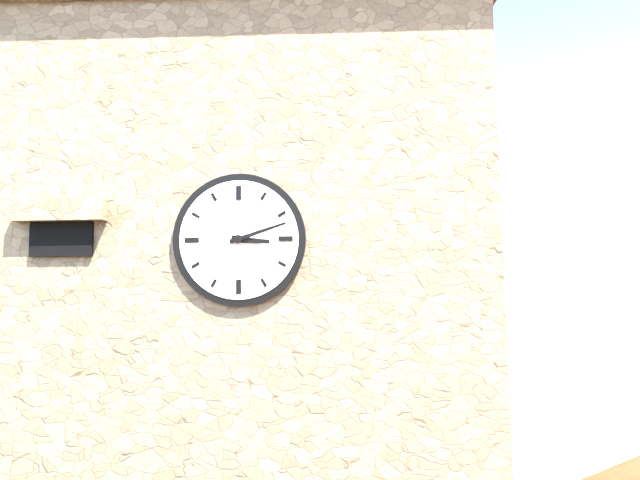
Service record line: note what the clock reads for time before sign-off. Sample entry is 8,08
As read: 3,12
